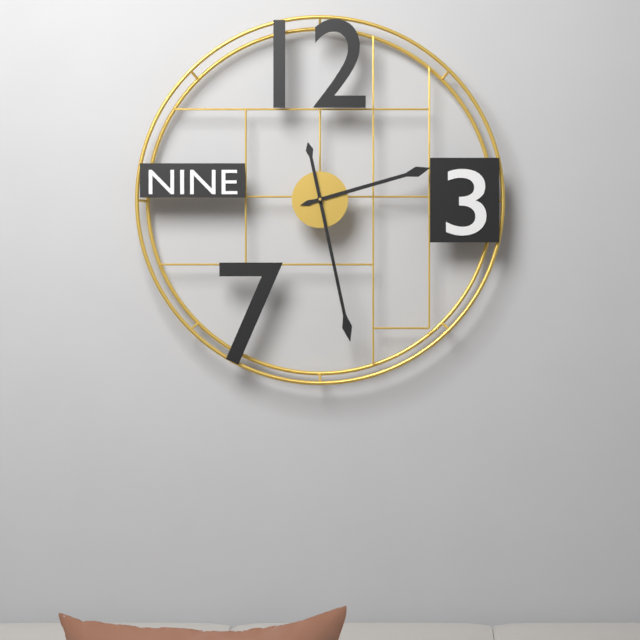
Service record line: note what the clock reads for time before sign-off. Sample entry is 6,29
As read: 2,28
